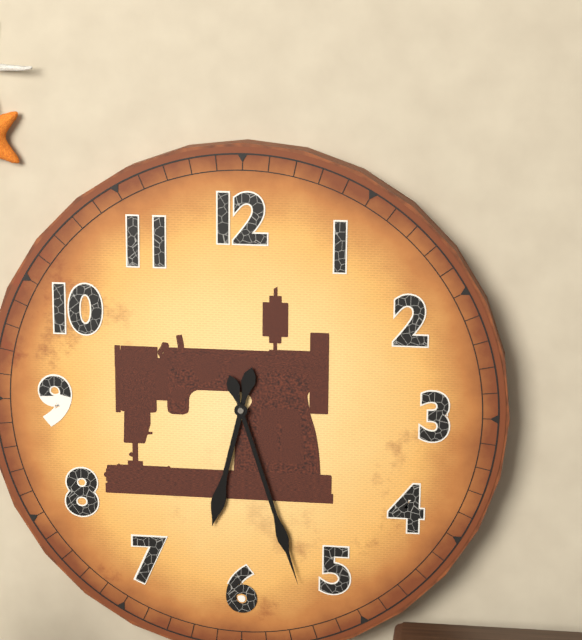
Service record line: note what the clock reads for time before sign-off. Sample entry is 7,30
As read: 6,27
